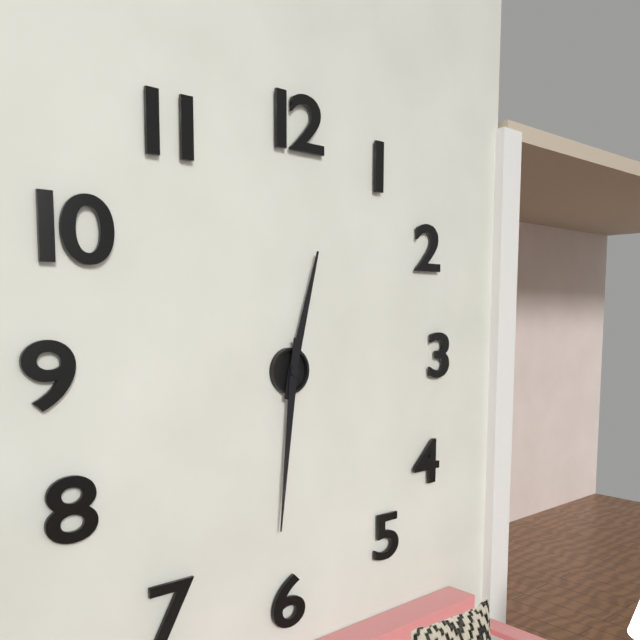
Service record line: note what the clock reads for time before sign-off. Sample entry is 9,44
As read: 12,31
